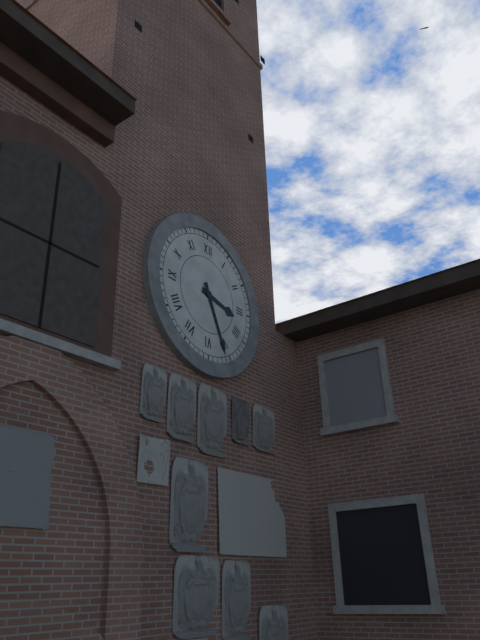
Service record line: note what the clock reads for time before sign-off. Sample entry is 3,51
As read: 3,26
